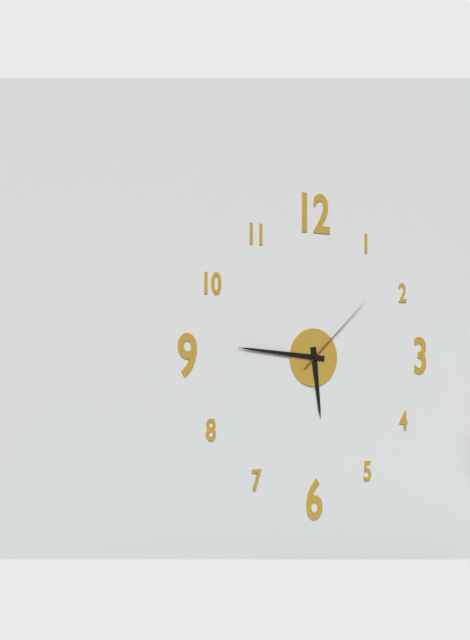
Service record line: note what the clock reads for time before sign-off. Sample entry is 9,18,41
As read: 5,46,08
